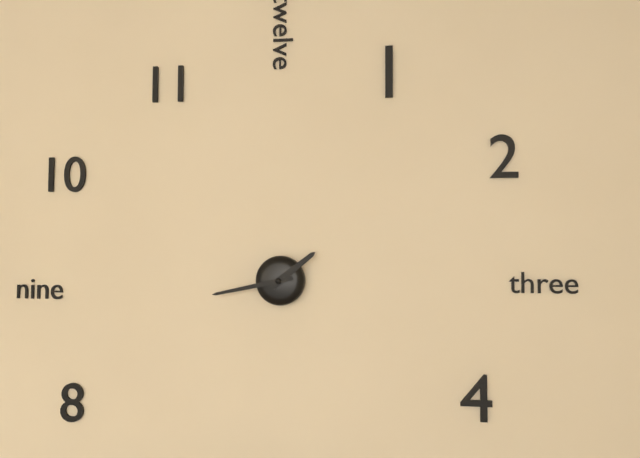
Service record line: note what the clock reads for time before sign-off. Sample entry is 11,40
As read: 1,43
